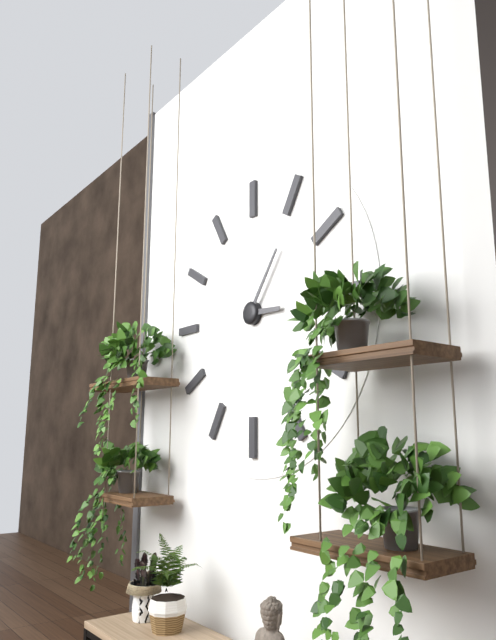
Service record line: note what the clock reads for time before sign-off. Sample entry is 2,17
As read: 3,06
